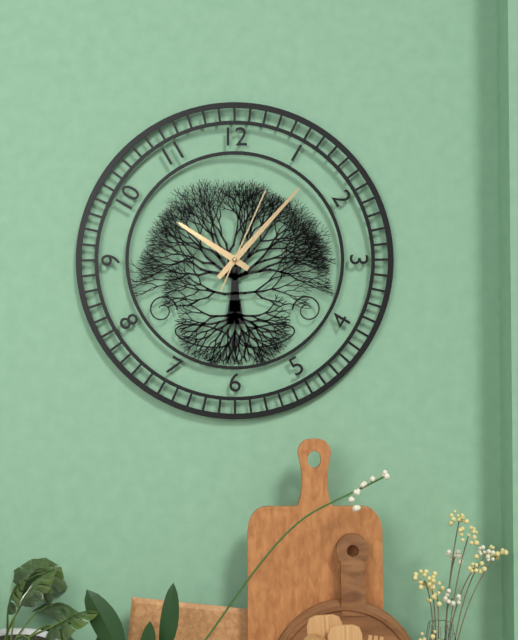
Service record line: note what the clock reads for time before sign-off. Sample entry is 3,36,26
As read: 10,07,04
